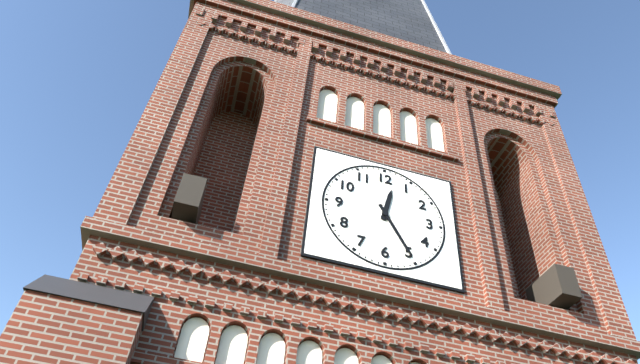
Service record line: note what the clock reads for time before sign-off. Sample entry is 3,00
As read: 12,25
